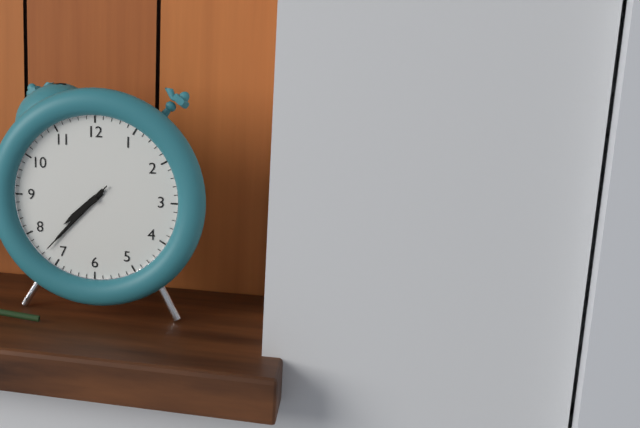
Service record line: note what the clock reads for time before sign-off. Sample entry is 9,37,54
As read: 7,37,37
